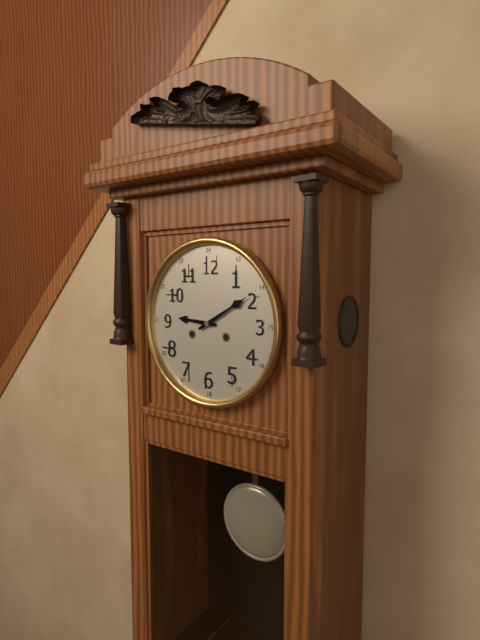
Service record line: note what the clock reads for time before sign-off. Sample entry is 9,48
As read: 9,10
